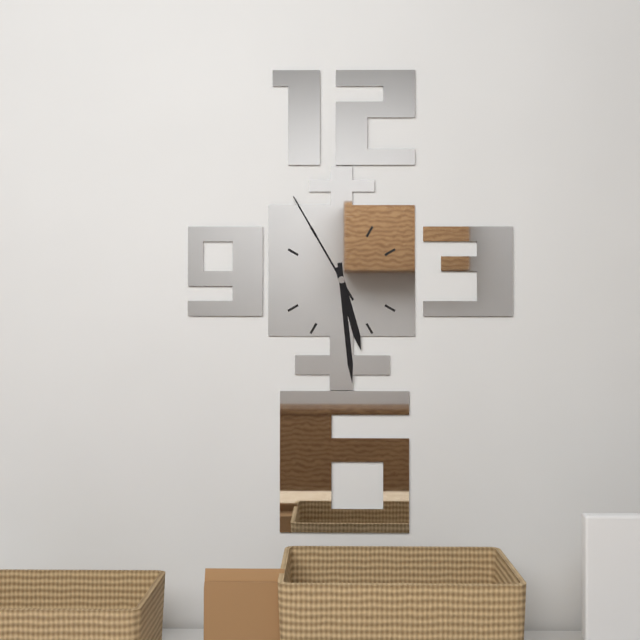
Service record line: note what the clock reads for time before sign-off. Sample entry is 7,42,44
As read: 5,29,55
